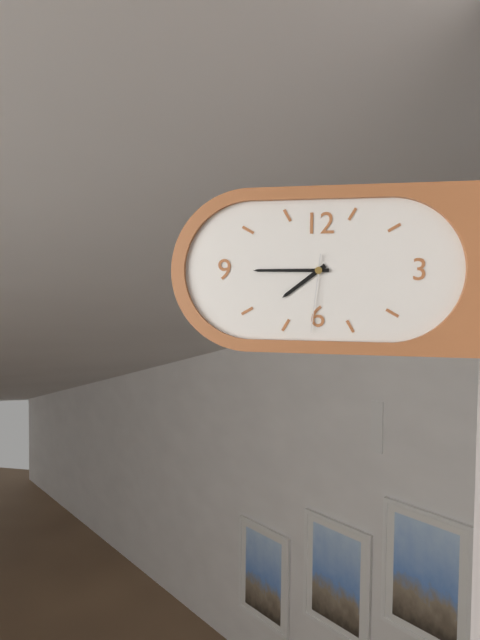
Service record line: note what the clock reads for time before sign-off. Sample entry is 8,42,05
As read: 7,45,31
